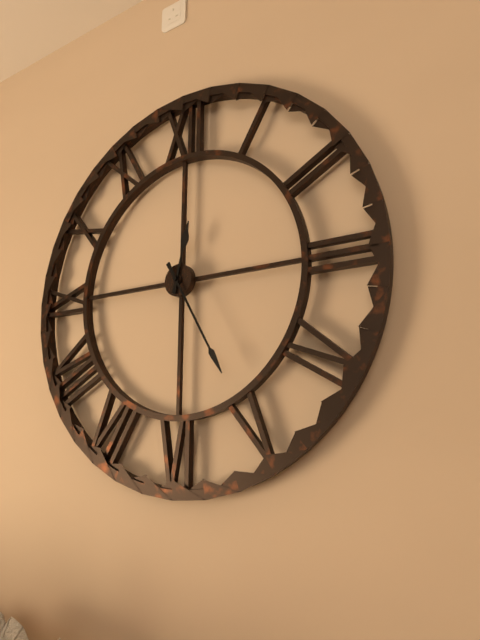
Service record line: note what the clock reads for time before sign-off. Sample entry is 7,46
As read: 12,25
